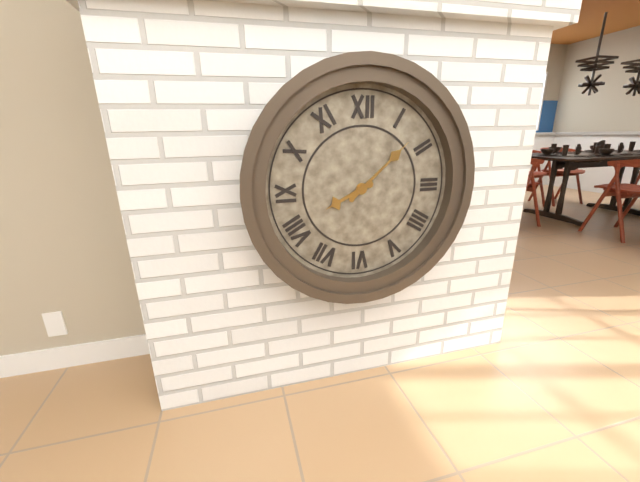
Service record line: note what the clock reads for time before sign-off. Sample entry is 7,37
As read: 8,08
